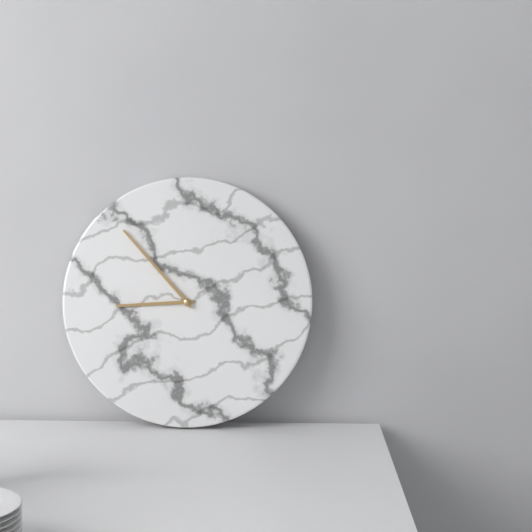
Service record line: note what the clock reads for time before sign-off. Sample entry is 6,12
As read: 8,53
